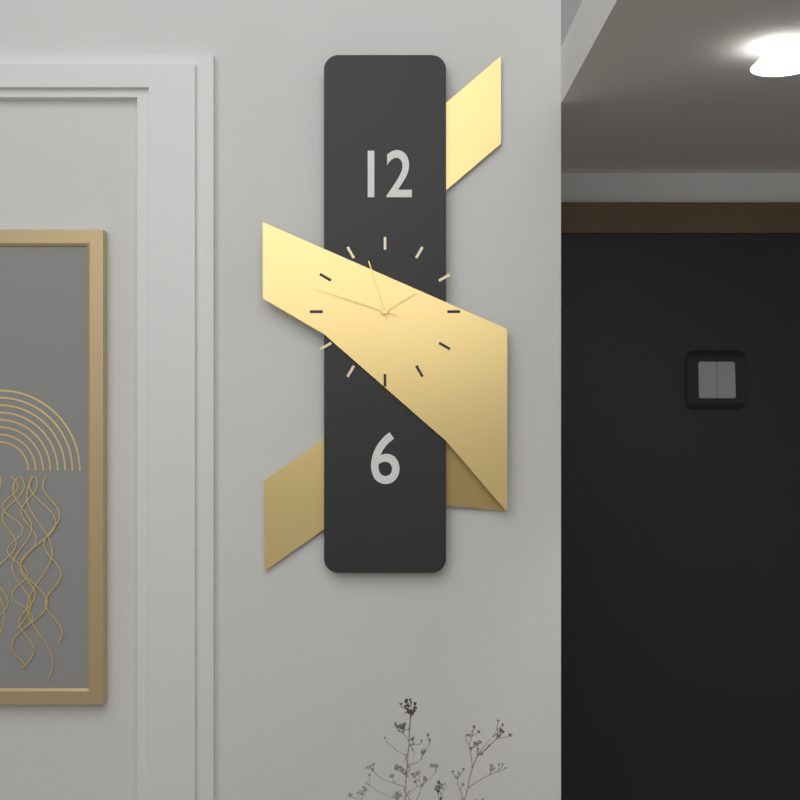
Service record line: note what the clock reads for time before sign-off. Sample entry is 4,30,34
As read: 1,57,48
